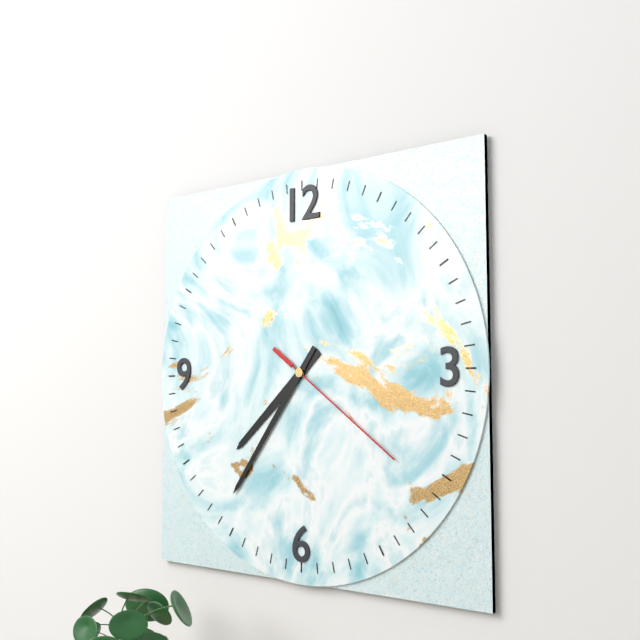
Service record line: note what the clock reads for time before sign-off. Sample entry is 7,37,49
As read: 7,36,21
